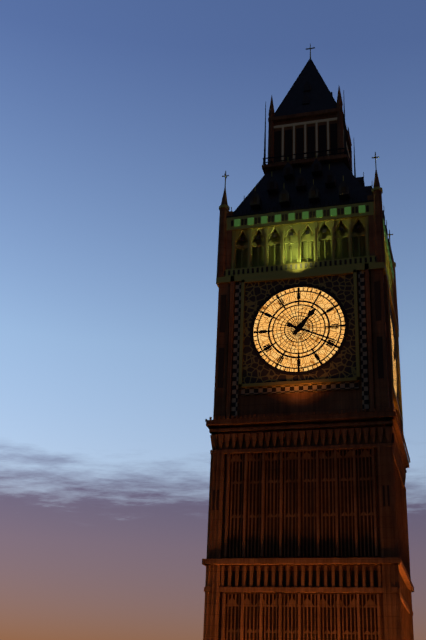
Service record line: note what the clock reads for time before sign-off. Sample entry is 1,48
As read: 1,19
